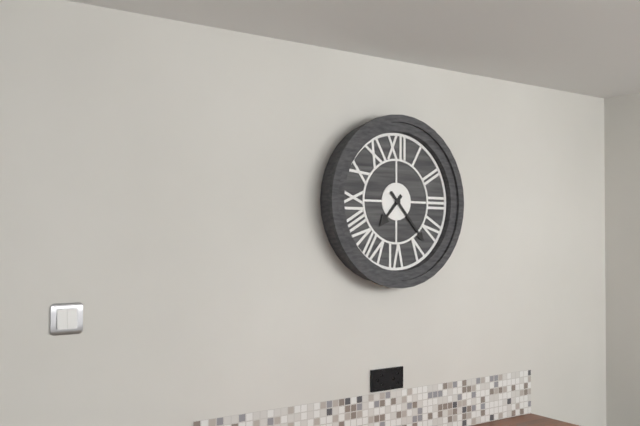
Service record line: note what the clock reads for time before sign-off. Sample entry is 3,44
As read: 7,23
